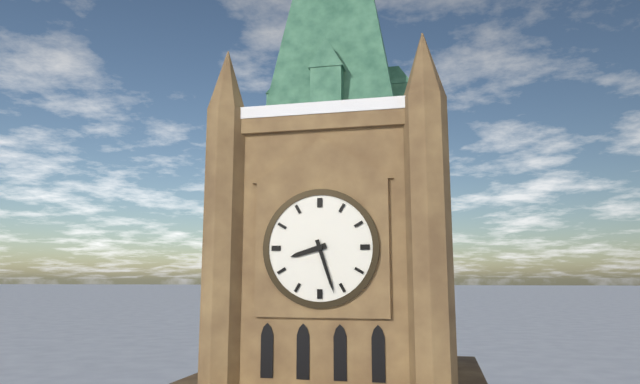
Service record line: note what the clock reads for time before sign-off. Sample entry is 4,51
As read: 8,27
